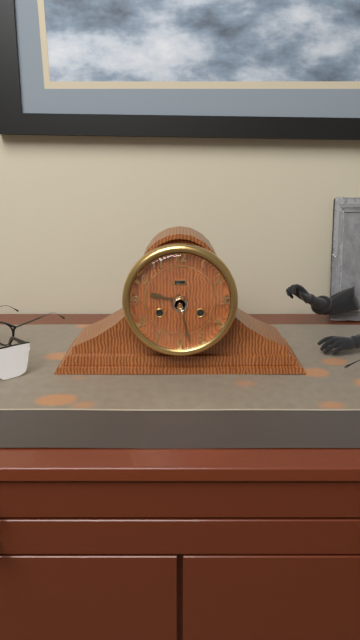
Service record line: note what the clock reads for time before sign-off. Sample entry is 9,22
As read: 9,28
